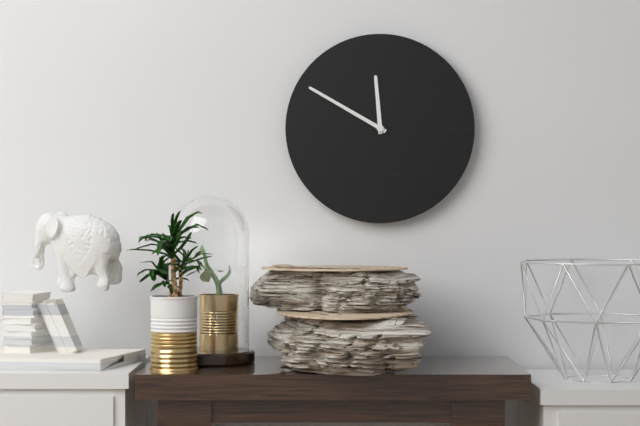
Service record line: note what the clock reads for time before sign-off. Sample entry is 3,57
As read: 11,50
